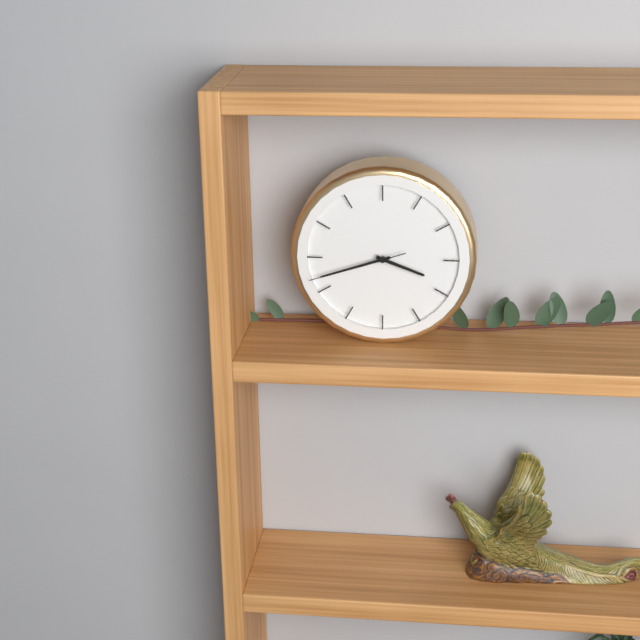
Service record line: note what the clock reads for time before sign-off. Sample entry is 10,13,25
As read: 3,42,42
